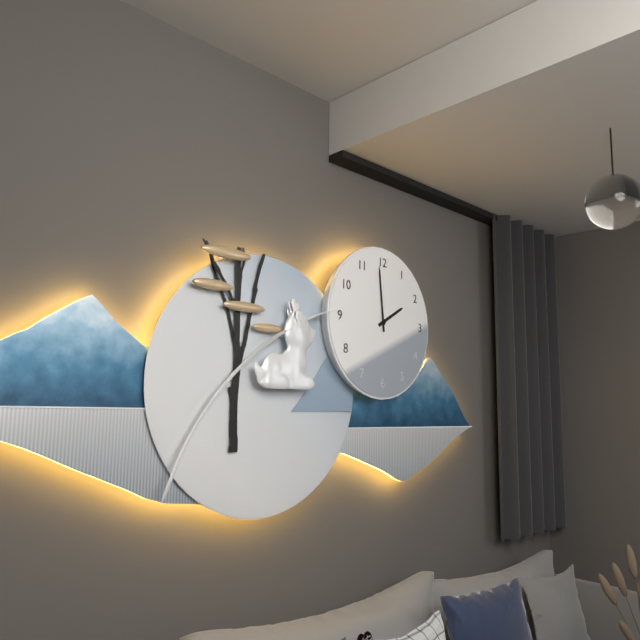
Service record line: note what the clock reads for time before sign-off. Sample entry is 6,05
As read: 1,59
